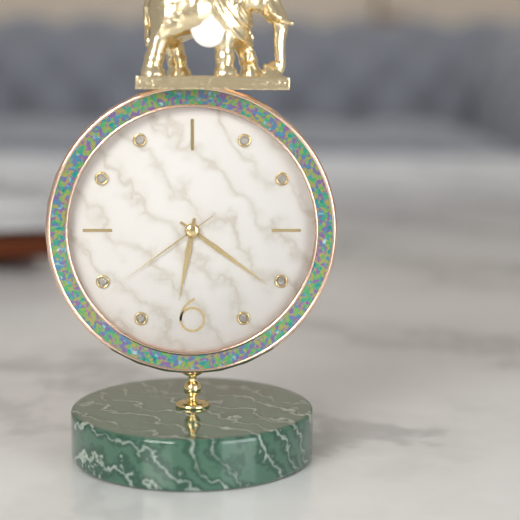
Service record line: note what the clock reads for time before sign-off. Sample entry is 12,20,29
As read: 6,21,39
